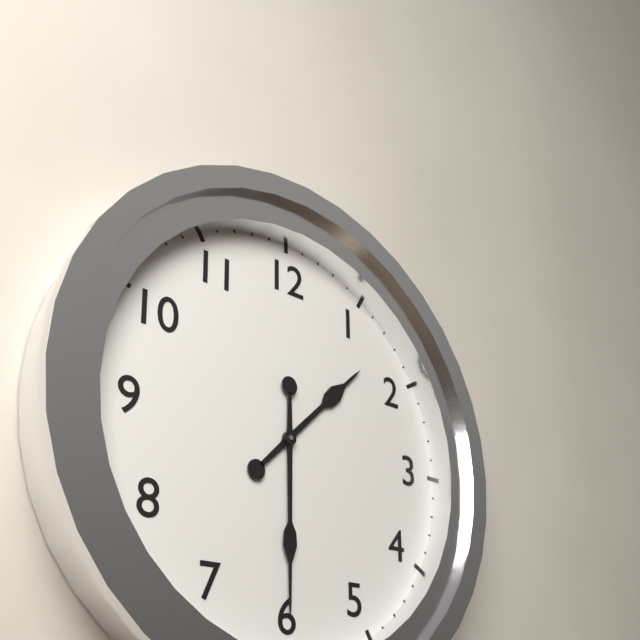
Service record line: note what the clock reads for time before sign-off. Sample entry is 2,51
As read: 1,30
